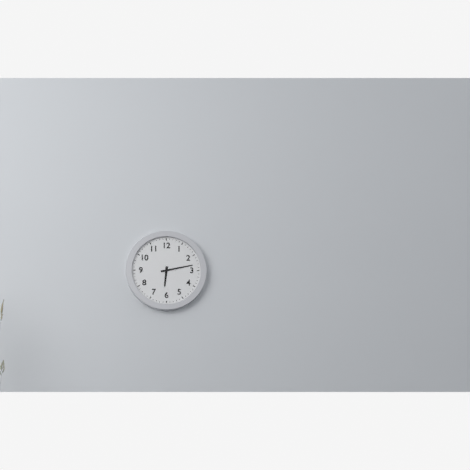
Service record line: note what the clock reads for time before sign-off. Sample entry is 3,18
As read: 6,13
